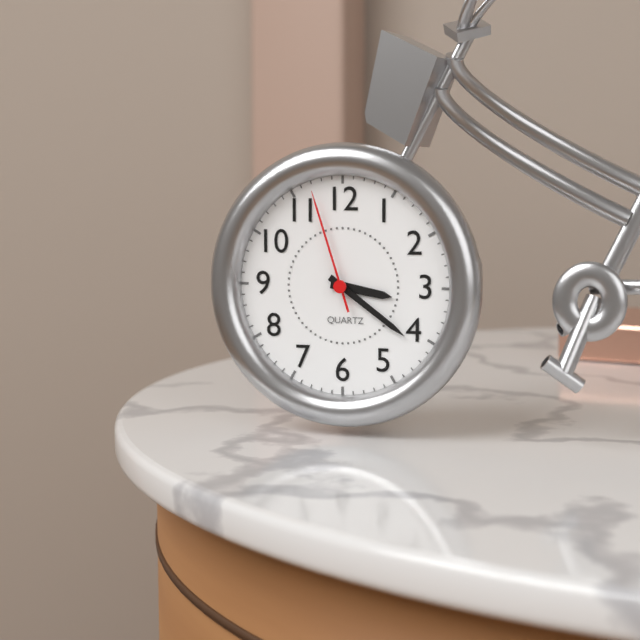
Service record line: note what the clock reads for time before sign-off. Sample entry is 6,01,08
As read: 3,21,57
